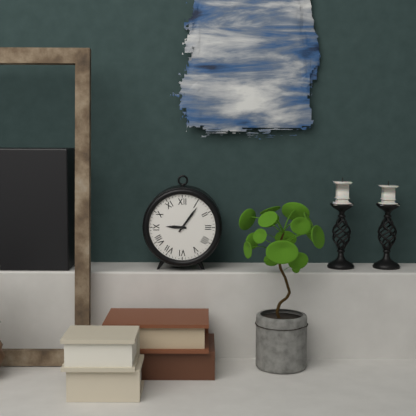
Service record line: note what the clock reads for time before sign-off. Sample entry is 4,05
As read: 9,06
